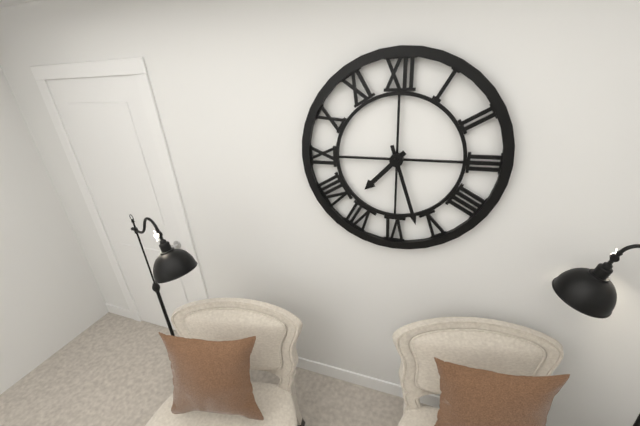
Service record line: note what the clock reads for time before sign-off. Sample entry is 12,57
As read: 7,27
